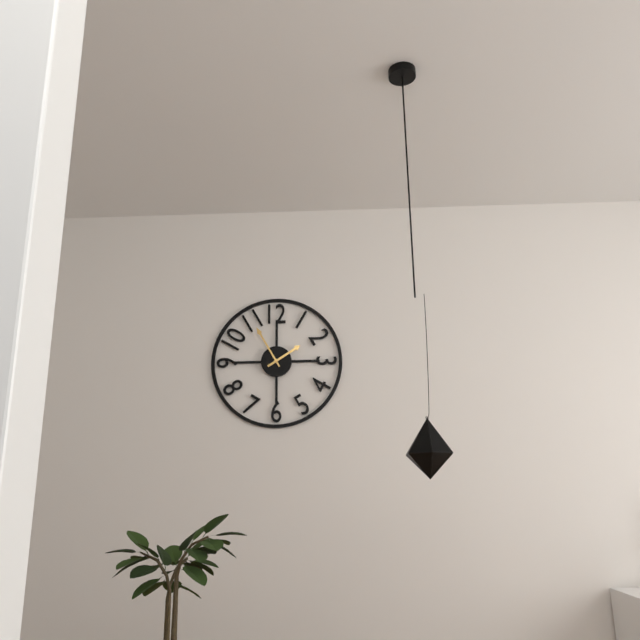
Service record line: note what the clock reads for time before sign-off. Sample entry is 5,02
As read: 1,55
